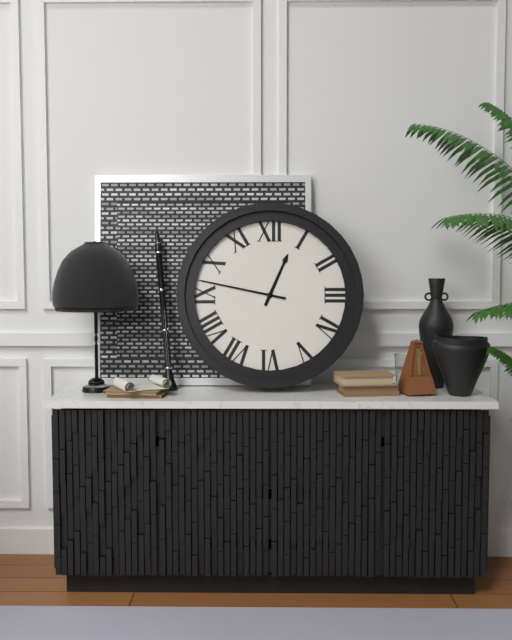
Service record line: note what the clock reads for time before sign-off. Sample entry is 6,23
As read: 12,47
